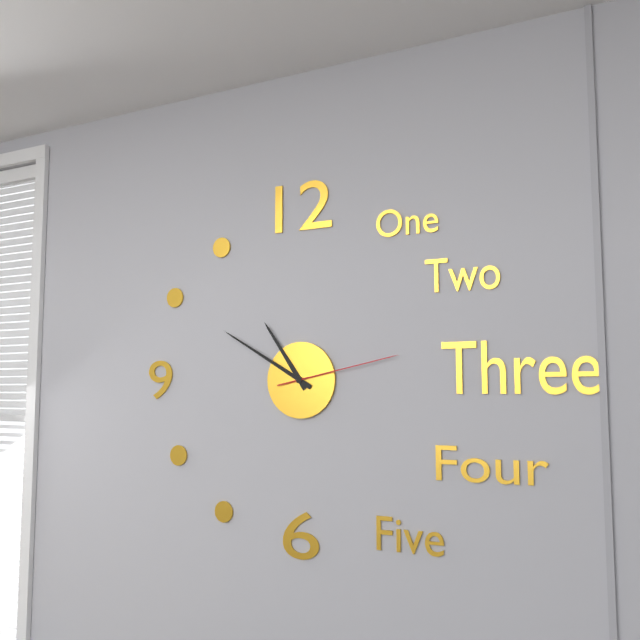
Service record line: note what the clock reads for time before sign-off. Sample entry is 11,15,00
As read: 10,50,13
